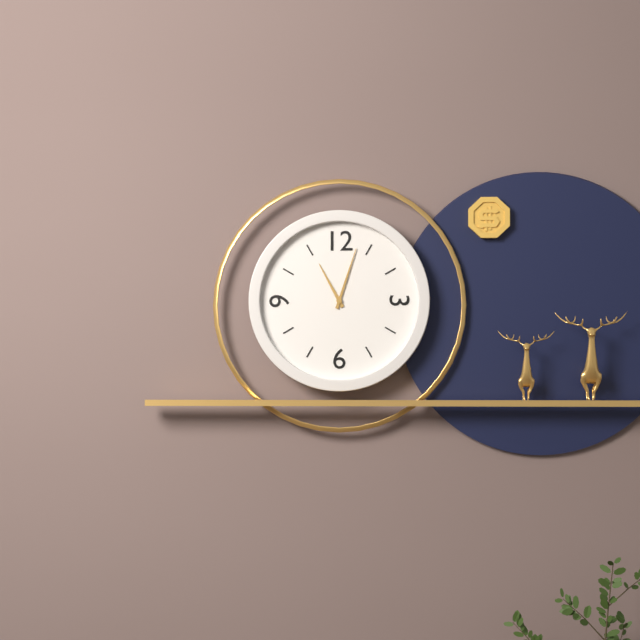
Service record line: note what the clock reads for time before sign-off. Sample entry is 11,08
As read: 11,03
